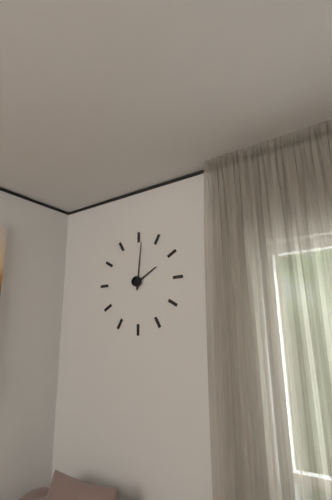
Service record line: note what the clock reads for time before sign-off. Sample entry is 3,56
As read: 2,01
